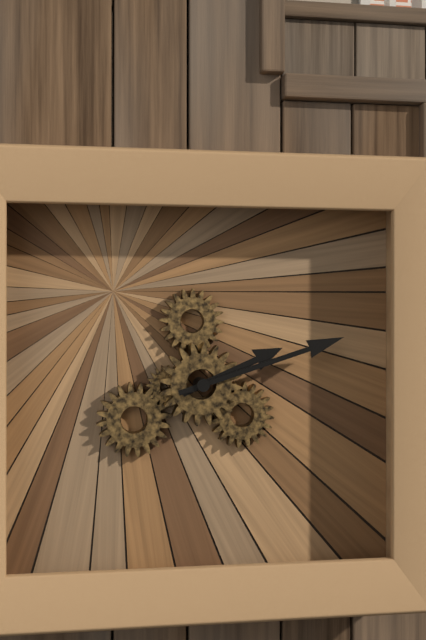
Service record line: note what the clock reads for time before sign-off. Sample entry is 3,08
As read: 2,12
